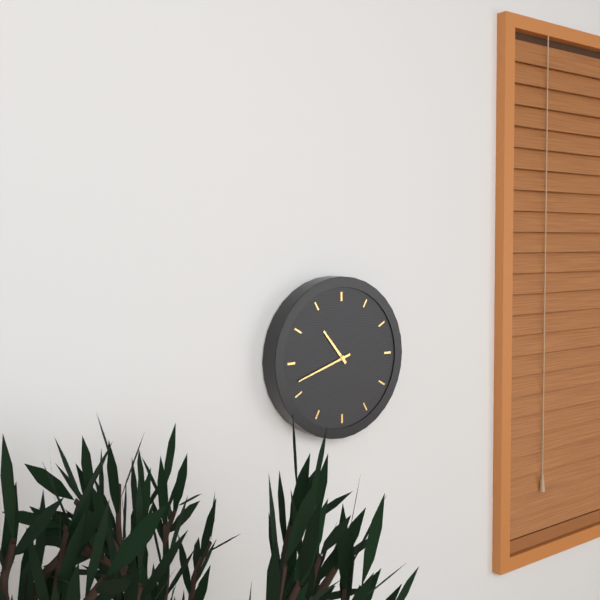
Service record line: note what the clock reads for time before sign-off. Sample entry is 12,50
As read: 10,42
